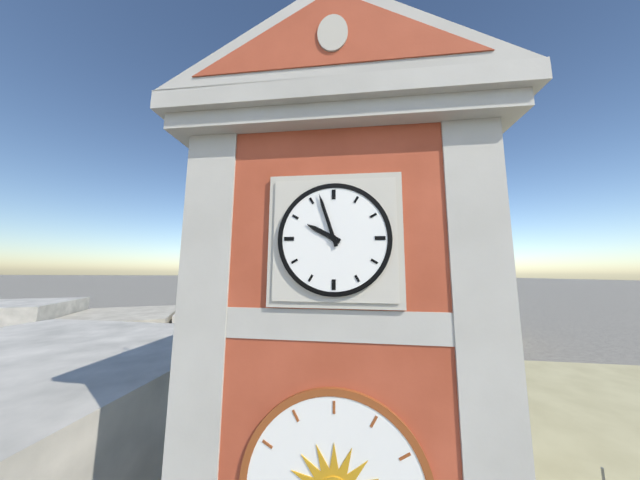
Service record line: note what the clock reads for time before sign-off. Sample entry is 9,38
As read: 9,57
